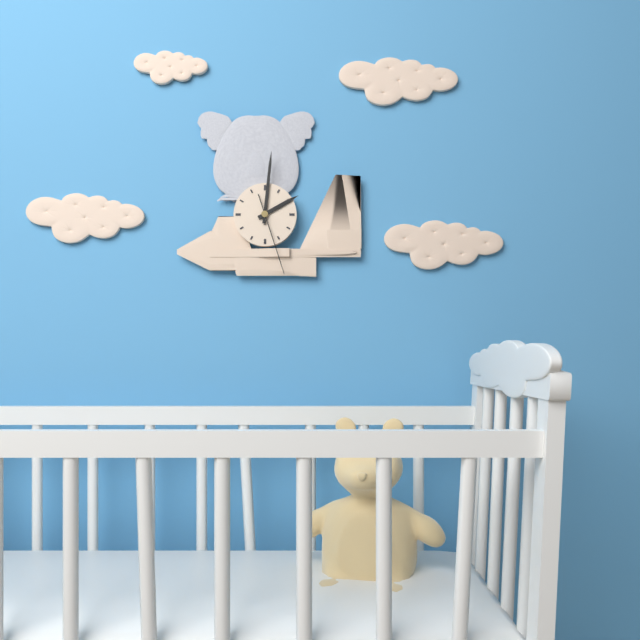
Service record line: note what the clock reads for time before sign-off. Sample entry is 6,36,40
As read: 2,01,27
